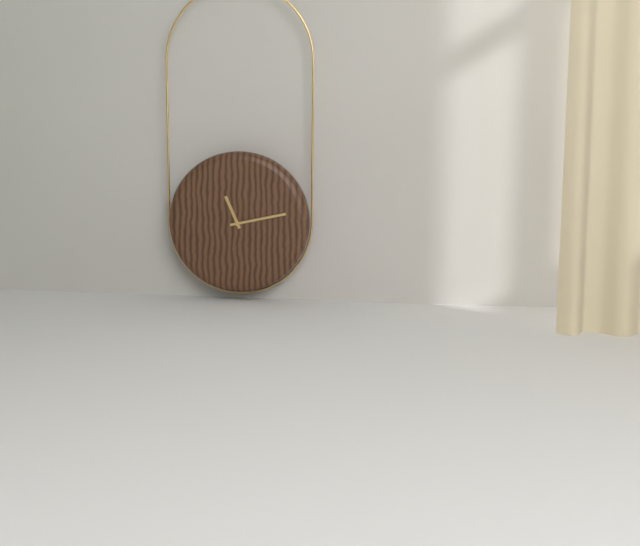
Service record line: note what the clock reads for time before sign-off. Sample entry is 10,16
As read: 11,13
